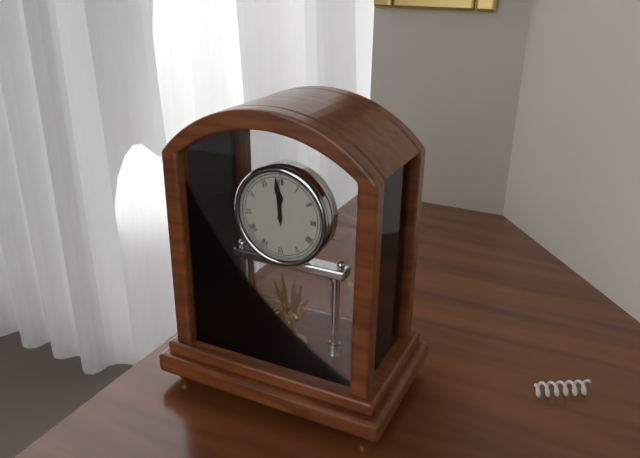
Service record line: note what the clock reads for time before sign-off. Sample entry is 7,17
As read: 11,59
